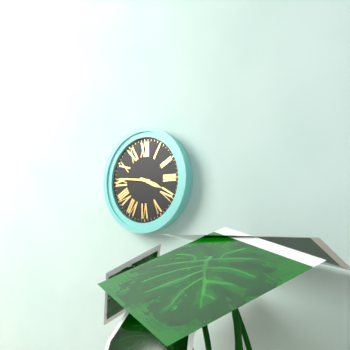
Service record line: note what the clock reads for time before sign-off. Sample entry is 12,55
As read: 3,46
